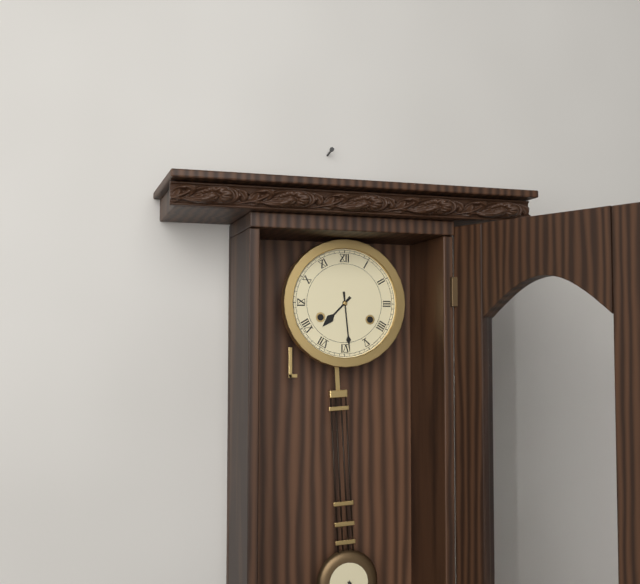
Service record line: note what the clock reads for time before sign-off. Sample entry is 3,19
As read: 7,29
